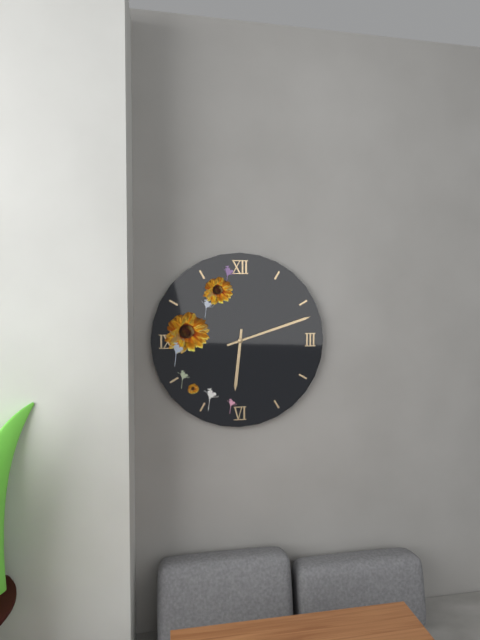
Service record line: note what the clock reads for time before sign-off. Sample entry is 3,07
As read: 6,12
